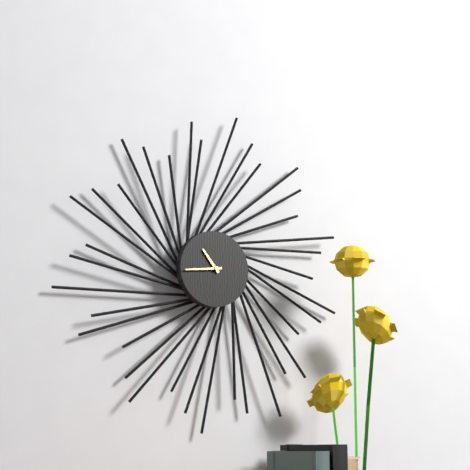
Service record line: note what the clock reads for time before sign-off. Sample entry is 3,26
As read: 10,44
